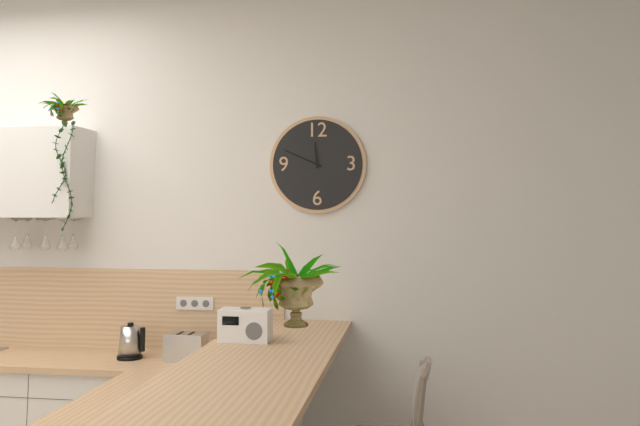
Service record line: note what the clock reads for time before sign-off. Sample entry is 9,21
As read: 11,49
